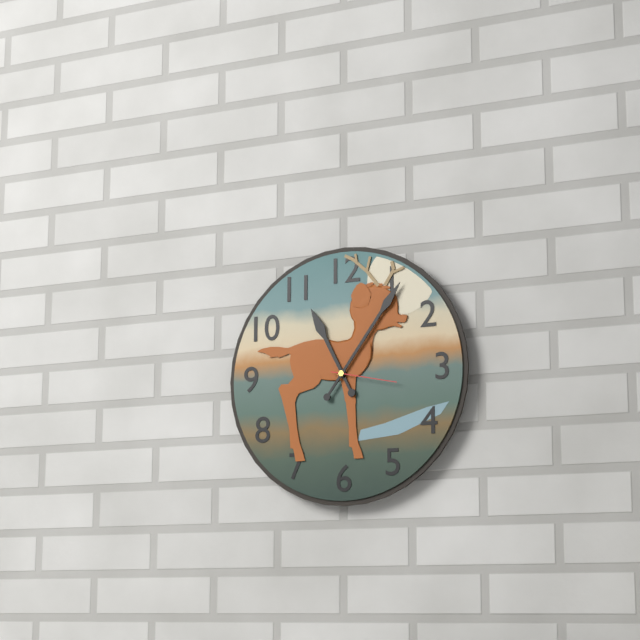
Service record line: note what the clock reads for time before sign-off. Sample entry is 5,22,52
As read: 11,06,17
